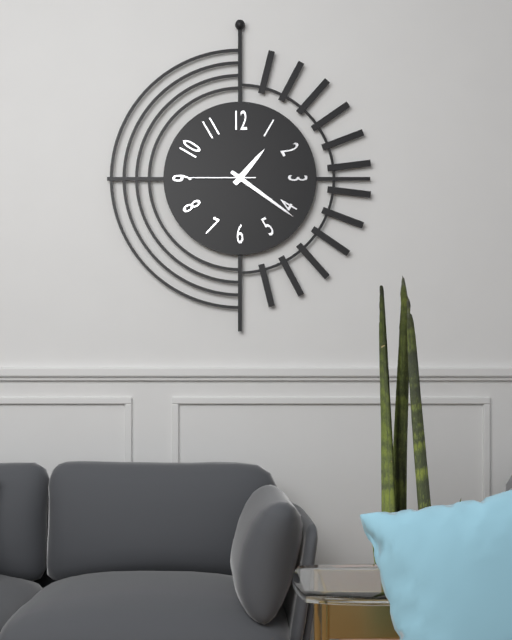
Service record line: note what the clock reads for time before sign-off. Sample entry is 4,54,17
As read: 1,21,45
